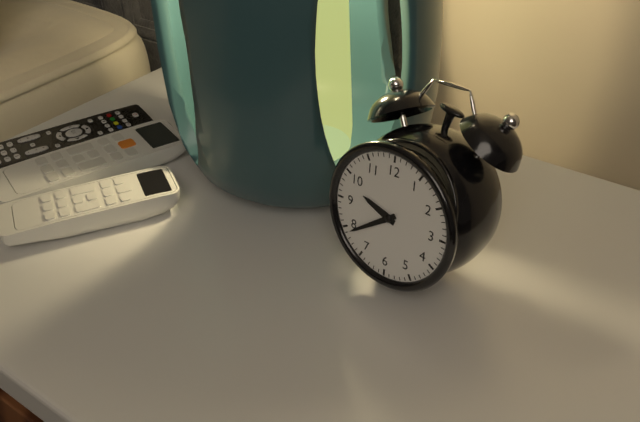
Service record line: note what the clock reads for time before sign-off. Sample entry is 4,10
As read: 9,39
